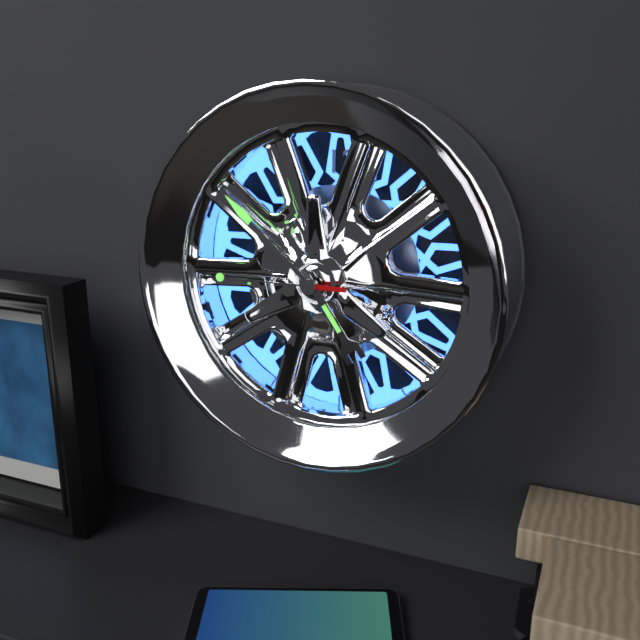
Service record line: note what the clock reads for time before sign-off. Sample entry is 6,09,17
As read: 4,52,45
